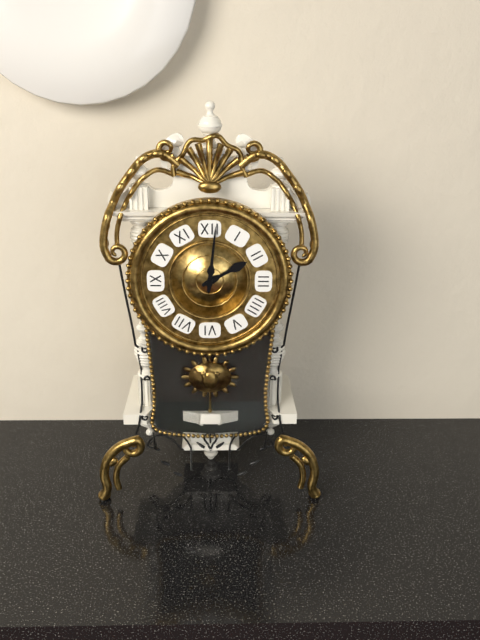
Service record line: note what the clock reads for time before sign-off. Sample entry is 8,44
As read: 2,01
